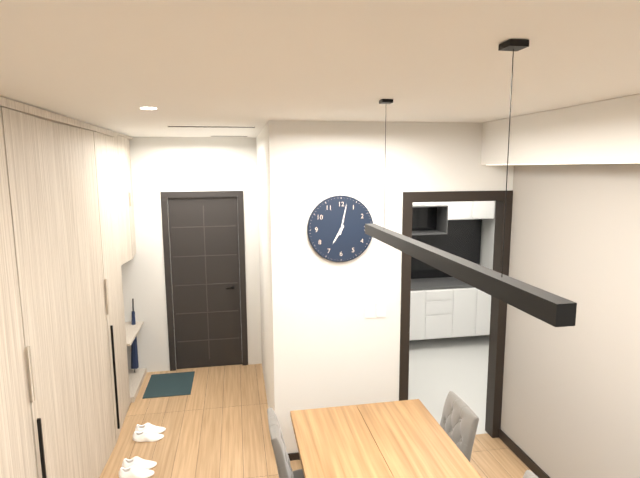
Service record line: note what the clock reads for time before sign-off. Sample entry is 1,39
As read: 7,02
